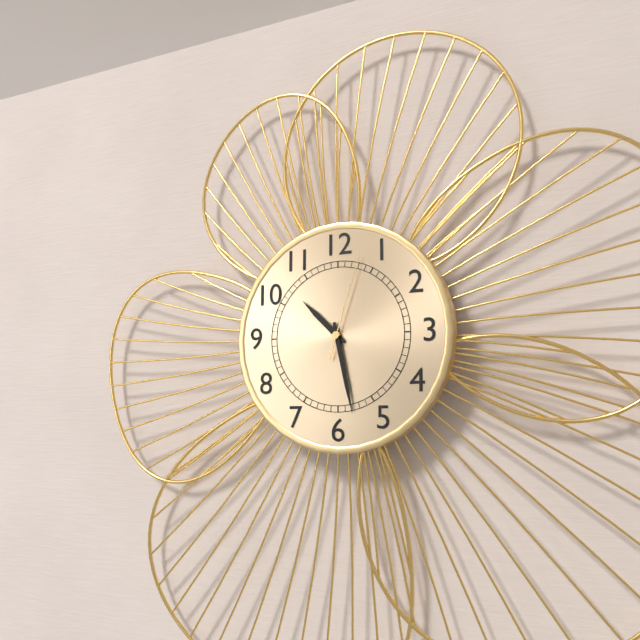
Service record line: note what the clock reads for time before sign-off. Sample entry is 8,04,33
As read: 10,28,03
